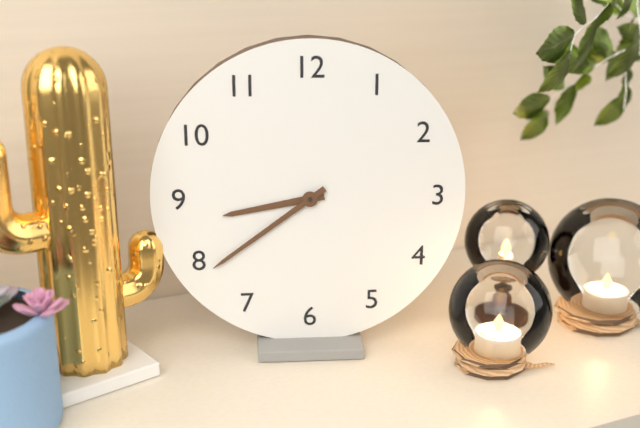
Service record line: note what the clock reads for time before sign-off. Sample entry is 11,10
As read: 8,39
